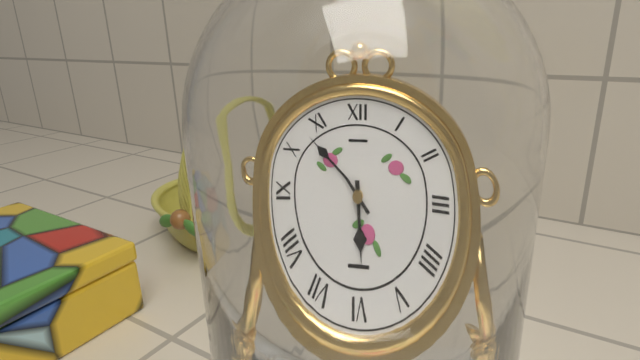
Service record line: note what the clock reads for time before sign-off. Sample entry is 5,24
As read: 5,53
